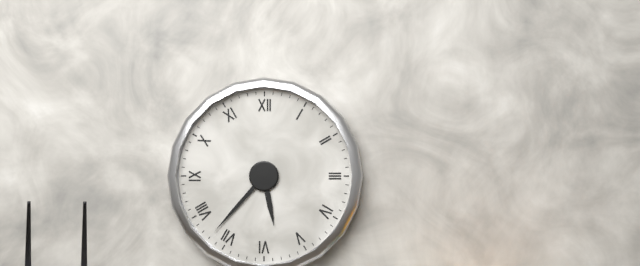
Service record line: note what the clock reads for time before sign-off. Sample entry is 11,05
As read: 5,37
